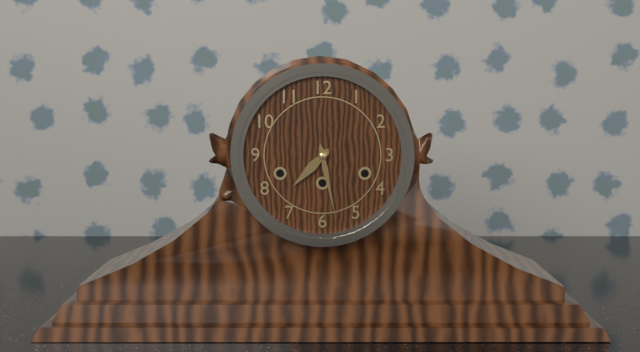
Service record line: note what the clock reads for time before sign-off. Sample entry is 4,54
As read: 7,28
